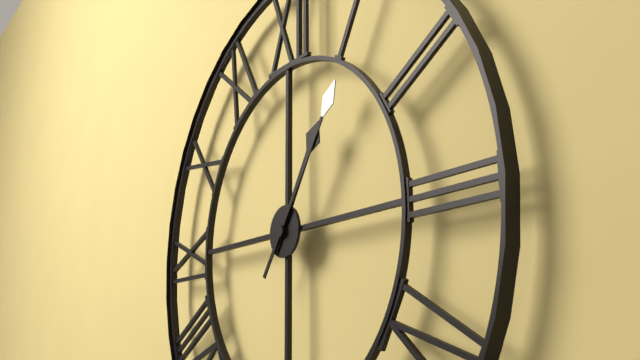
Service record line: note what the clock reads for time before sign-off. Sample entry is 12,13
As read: 1,06
